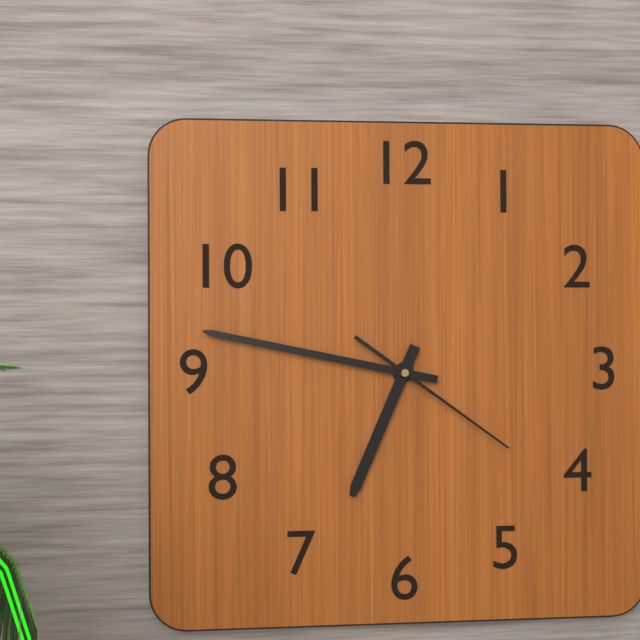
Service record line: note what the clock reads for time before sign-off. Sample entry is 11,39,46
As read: 6,47,21
